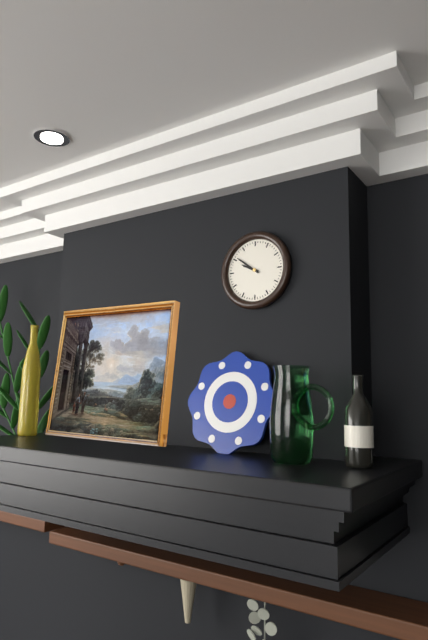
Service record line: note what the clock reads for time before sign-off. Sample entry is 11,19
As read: 9,51
